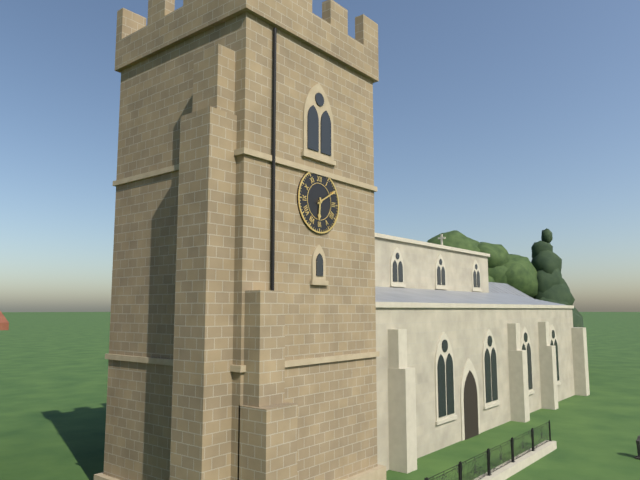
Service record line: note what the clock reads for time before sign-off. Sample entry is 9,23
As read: 6,10
